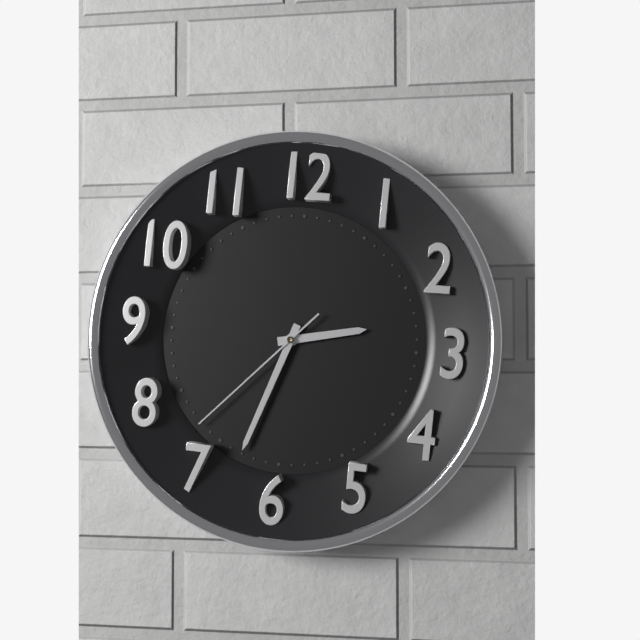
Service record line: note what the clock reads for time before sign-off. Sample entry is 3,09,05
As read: 2,33,37
